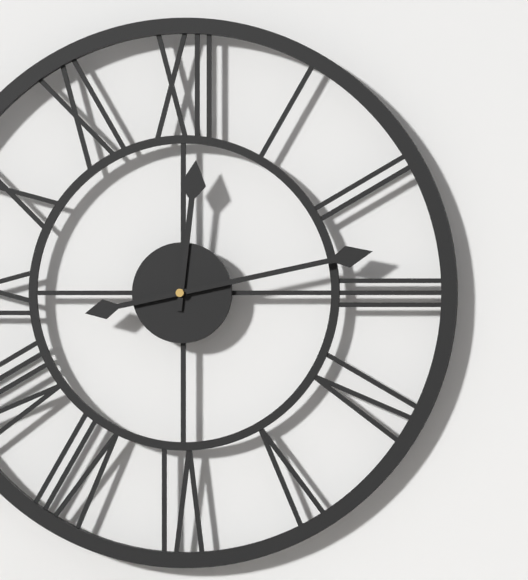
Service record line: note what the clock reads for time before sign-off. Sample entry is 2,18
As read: 12,13
